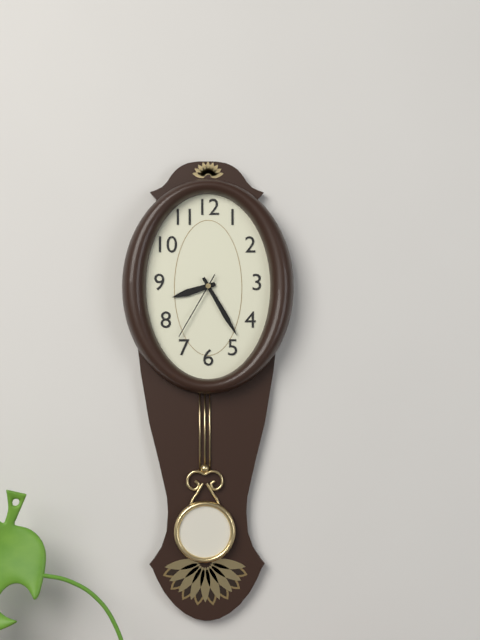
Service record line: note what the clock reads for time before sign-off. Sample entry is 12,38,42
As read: 8,25,35
